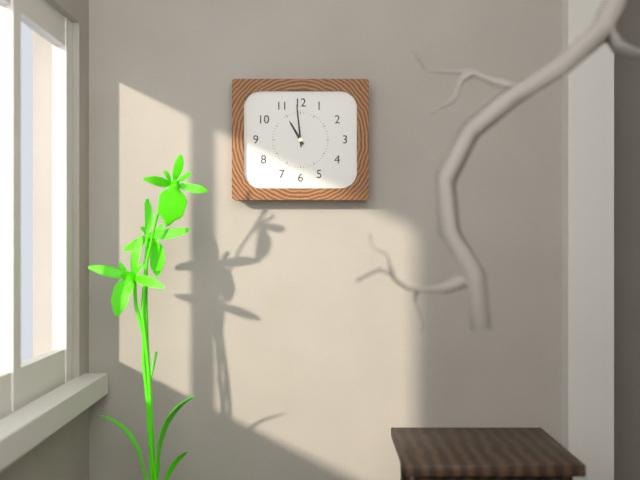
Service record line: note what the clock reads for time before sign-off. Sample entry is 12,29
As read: 10,59
